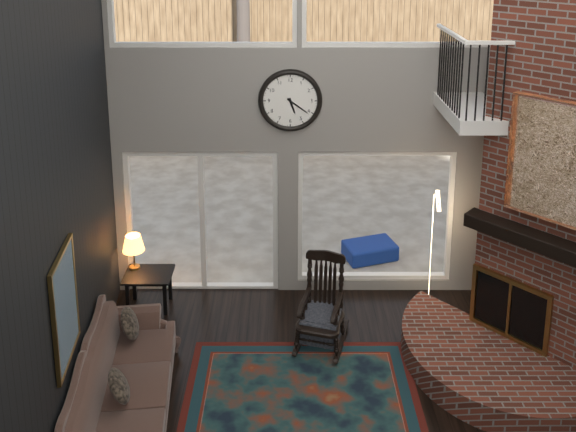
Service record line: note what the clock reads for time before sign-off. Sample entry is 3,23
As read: 5,21
